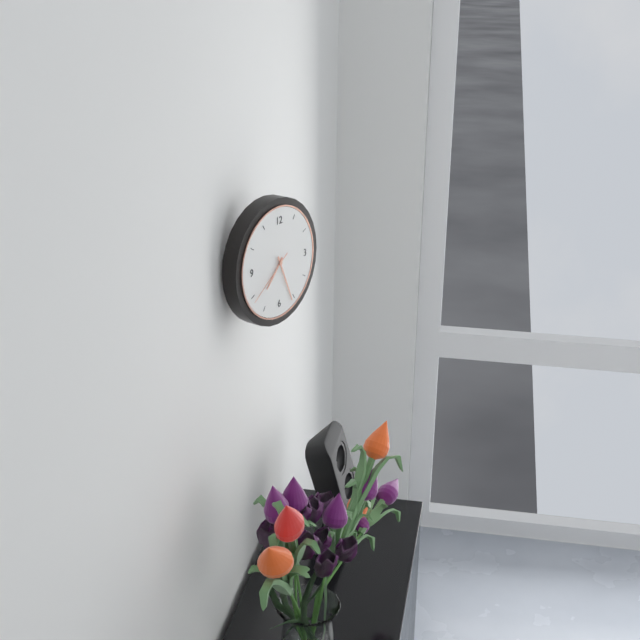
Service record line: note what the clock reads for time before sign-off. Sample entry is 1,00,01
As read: 7,26,39
